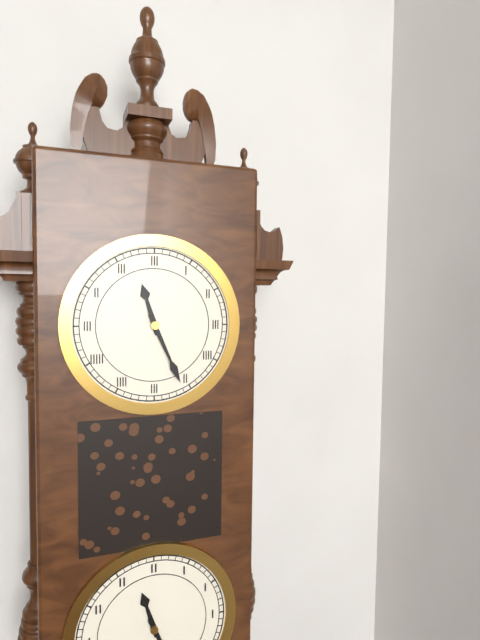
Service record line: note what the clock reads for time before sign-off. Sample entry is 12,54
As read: 11,26
